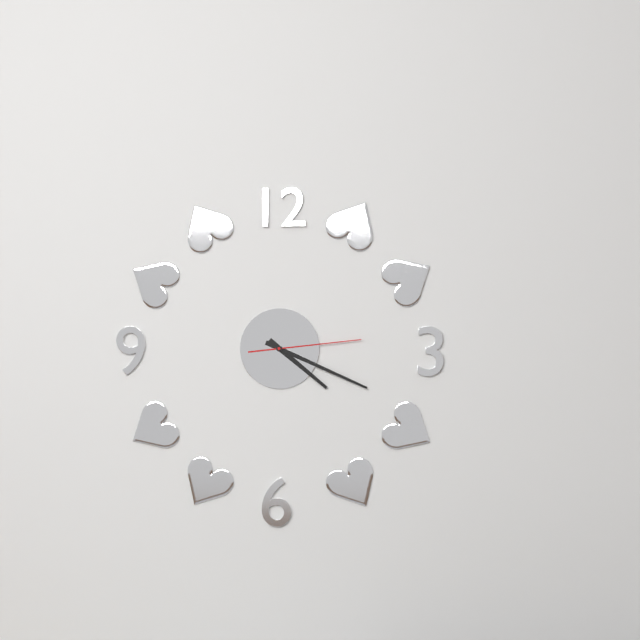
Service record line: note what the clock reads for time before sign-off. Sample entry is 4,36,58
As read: 4,19,14
